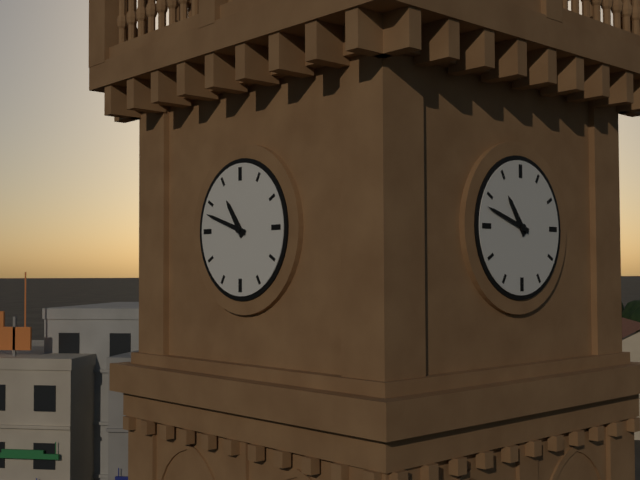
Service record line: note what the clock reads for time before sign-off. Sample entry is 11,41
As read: 10,48
